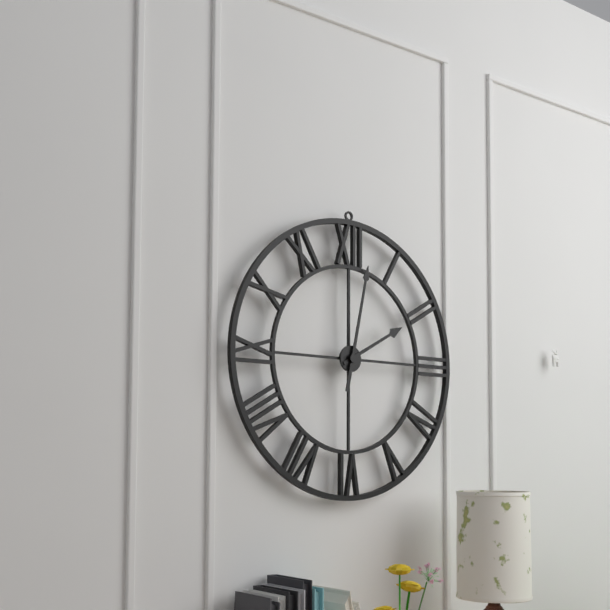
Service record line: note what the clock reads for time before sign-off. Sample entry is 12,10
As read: 2,02
